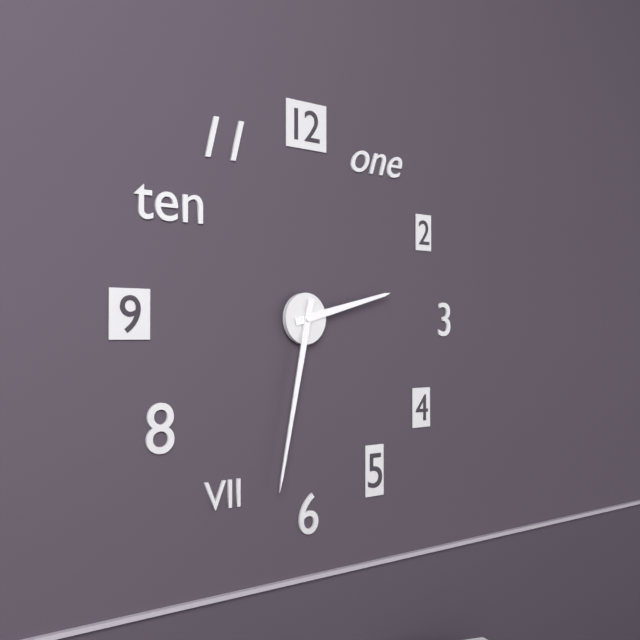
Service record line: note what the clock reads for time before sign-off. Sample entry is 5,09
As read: 2,32
